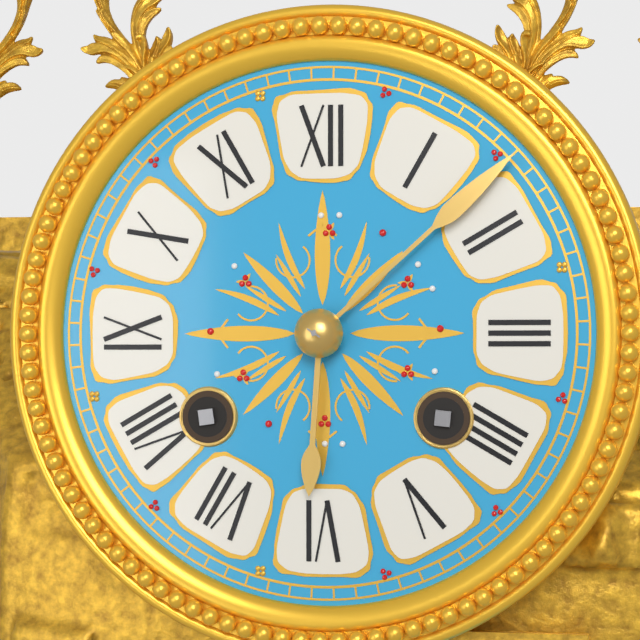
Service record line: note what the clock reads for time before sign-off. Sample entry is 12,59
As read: 6,08
